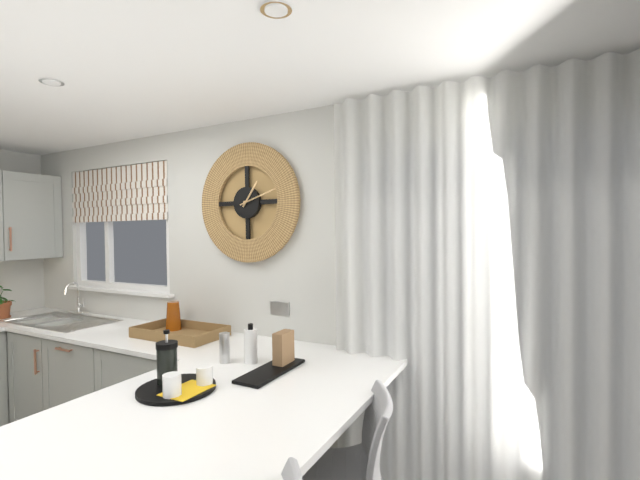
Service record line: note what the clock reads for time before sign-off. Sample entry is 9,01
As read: 1,12
